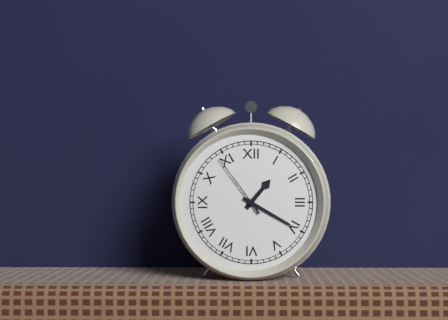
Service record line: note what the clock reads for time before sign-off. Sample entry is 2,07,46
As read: 1,20,54
